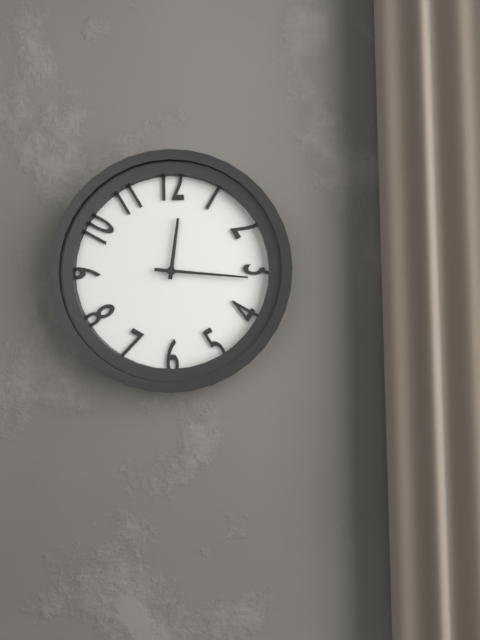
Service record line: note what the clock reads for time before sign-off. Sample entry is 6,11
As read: 12,16
